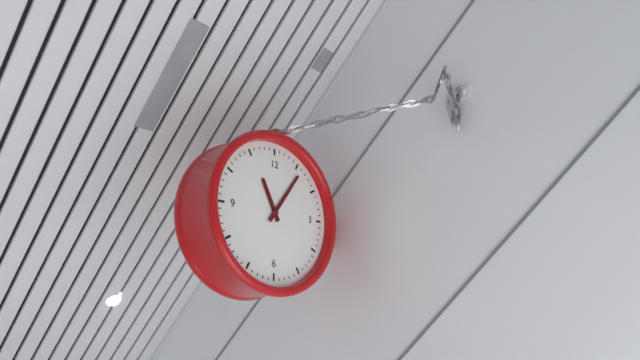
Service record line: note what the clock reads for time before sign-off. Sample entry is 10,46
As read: 11,06
